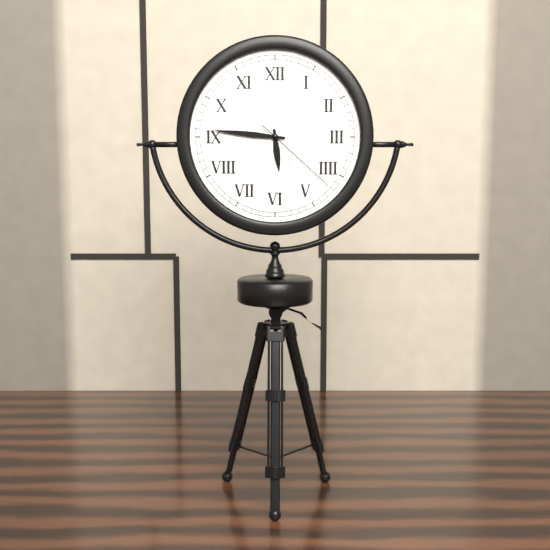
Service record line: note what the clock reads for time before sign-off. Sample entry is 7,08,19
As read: 5,46,22
